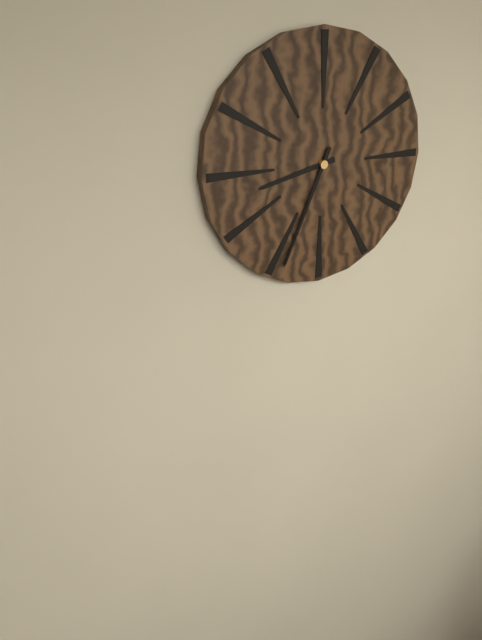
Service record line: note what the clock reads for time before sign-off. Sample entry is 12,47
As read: 8,34
